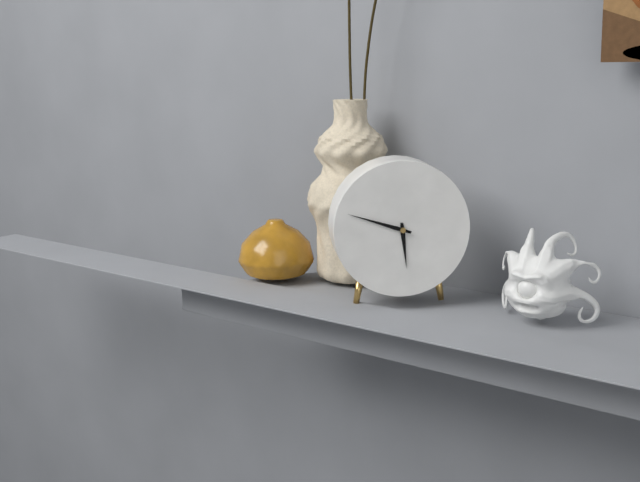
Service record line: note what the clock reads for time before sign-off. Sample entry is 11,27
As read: 5,48
